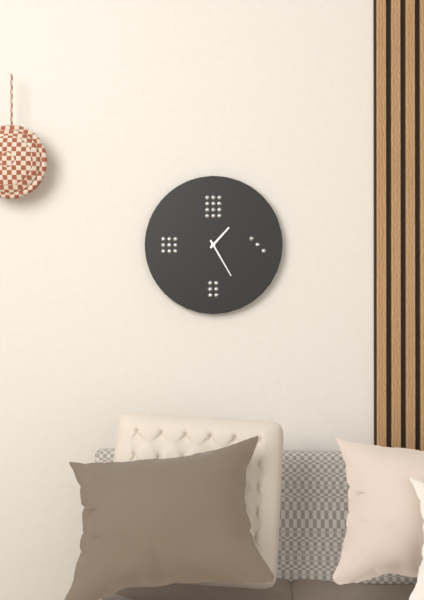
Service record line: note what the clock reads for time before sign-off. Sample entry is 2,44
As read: 1,25
